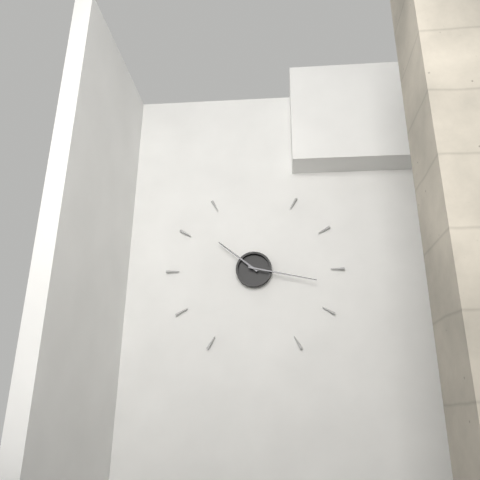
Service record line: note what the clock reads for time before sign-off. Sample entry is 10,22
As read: 10,17
